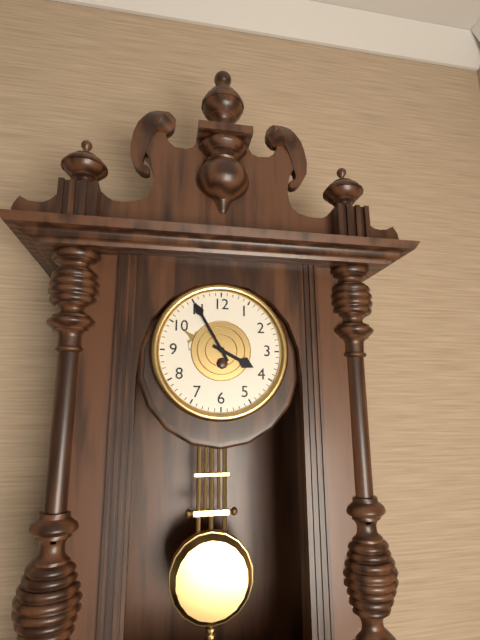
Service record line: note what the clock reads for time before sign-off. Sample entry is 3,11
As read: 3,55
